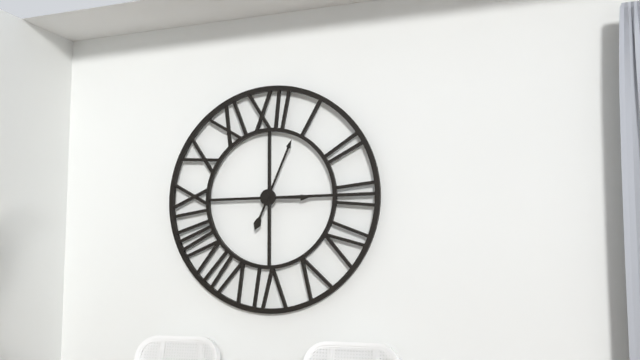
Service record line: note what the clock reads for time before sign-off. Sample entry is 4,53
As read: 3,04
